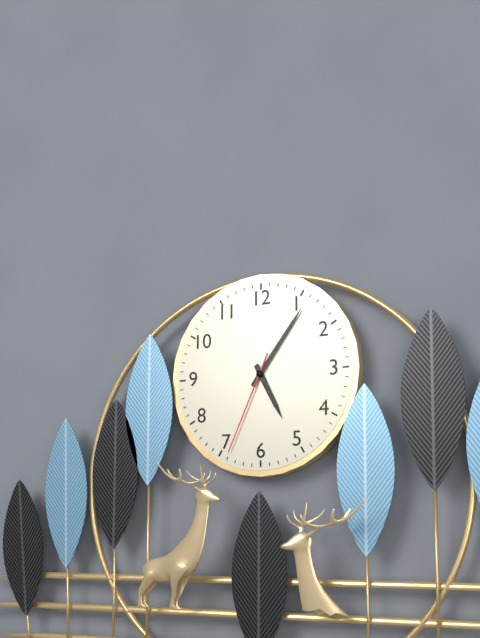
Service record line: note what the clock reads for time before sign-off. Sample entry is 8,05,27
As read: 5,06,34
